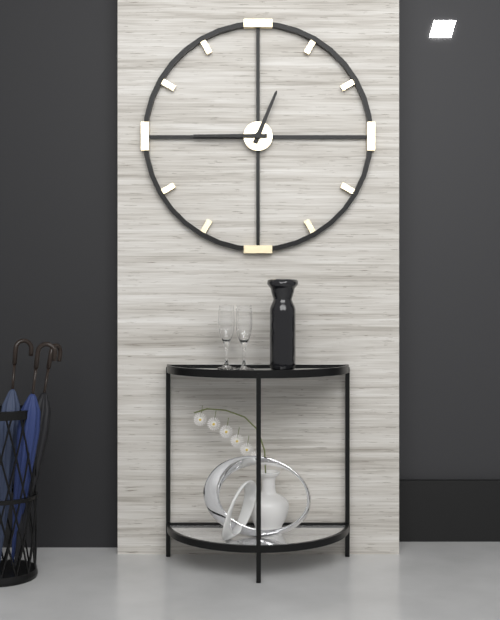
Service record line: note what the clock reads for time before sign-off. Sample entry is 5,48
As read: 12,45
